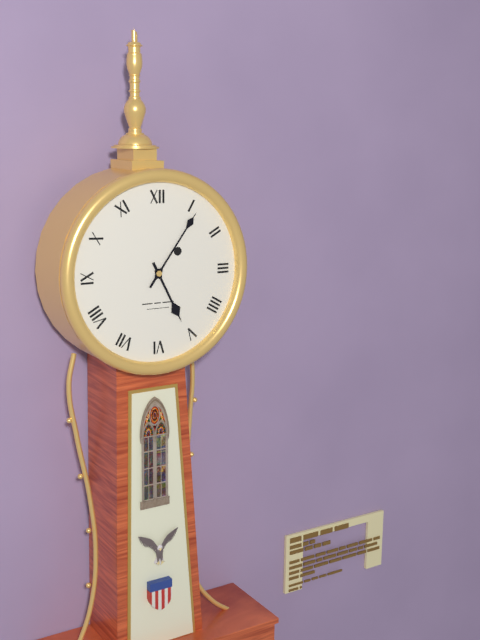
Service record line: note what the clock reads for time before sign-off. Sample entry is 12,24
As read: 5,06
